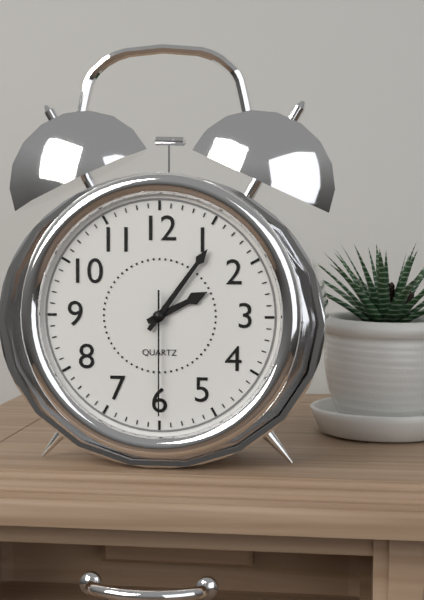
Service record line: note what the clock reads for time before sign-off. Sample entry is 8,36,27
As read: 2,06,30
